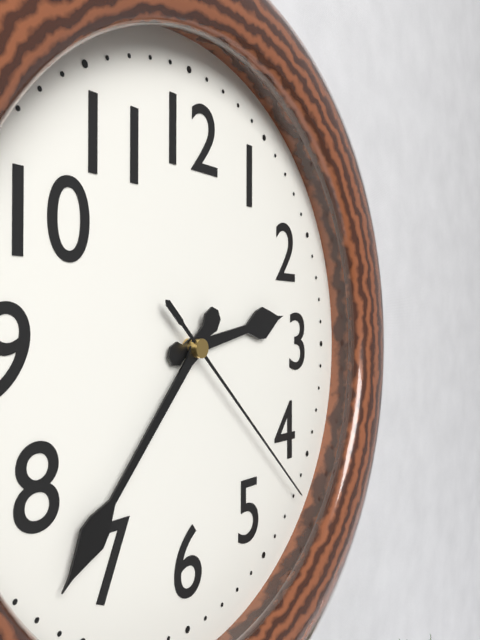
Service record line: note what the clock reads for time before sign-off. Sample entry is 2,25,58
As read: 2,37,22
